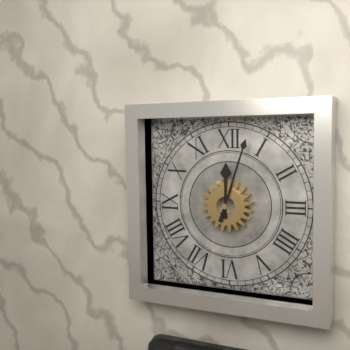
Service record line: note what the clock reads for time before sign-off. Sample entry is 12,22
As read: 12,03
